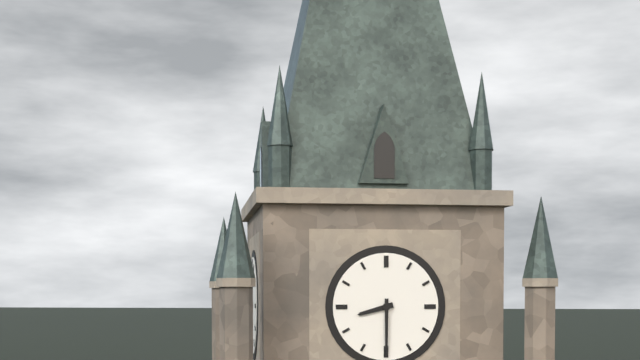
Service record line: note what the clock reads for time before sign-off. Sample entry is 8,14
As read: 8,30
